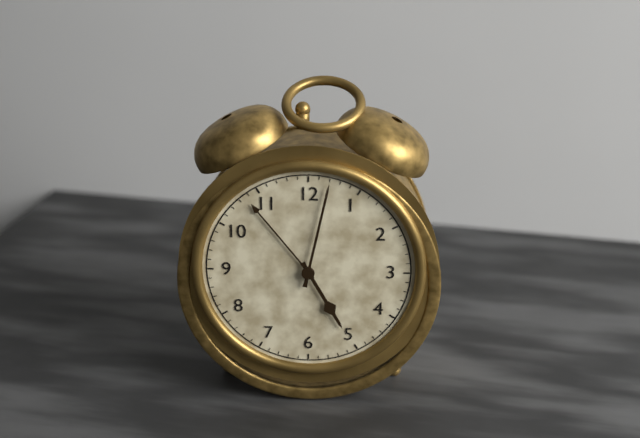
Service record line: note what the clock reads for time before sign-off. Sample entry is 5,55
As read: 5,02
